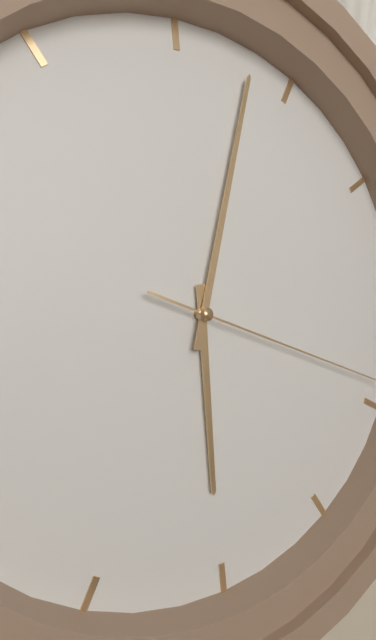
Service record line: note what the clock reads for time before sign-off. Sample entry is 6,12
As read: 6,03
